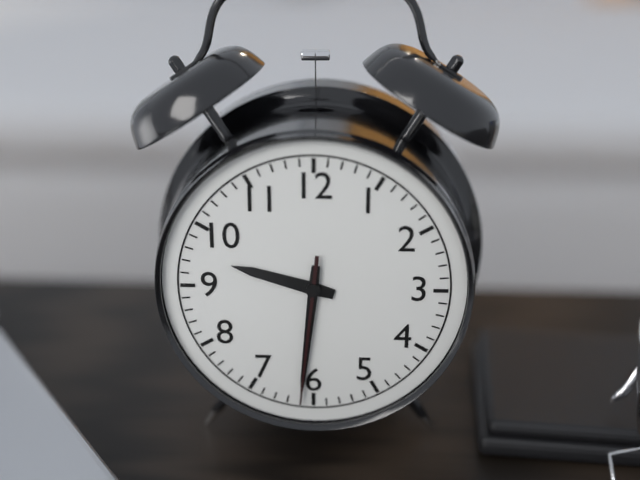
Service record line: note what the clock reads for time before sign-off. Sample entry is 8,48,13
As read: 9,31,31
